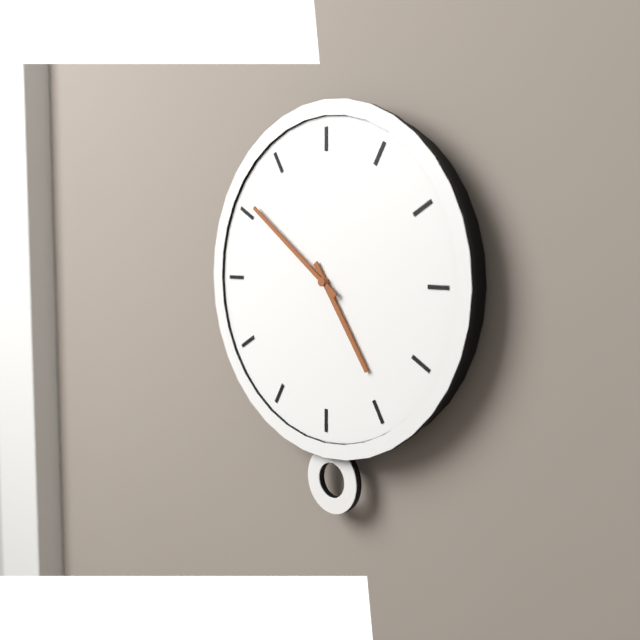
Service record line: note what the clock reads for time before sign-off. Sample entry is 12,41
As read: 4,51
